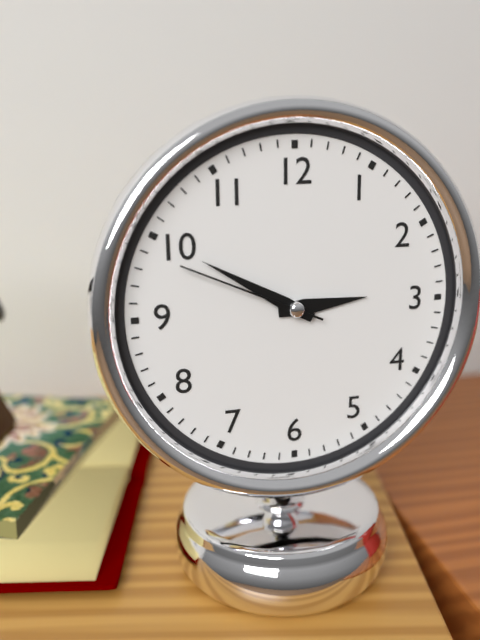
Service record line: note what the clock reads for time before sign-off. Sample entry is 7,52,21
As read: 2,50,49
